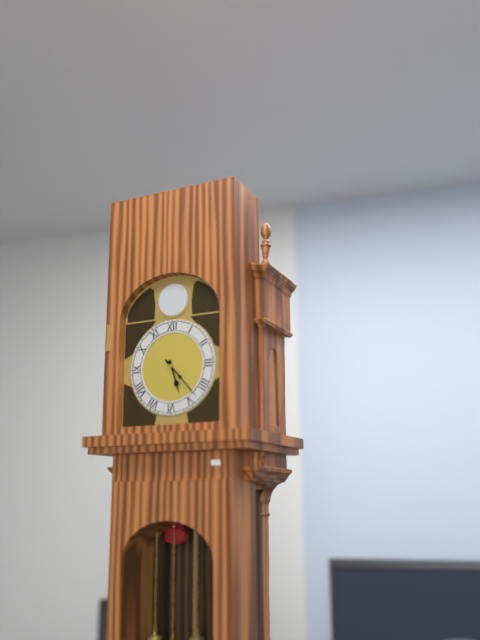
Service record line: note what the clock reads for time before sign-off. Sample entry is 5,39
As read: 5,23
